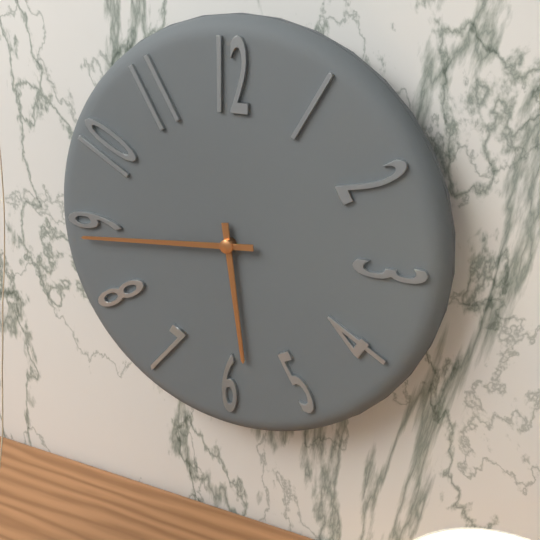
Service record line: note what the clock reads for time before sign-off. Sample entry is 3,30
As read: 5,44
